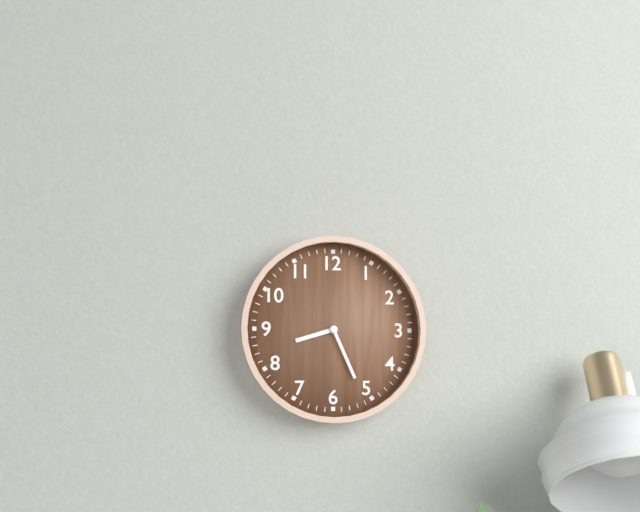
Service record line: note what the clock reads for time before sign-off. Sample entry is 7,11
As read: 8,26
